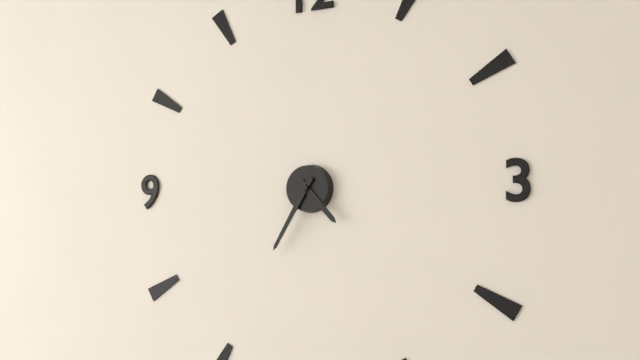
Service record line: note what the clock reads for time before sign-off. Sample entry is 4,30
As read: 4,35
